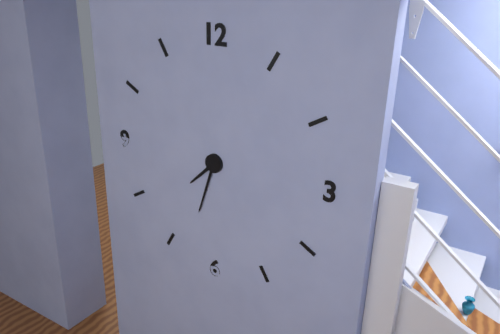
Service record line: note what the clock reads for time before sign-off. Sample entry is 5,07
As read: 7,33
